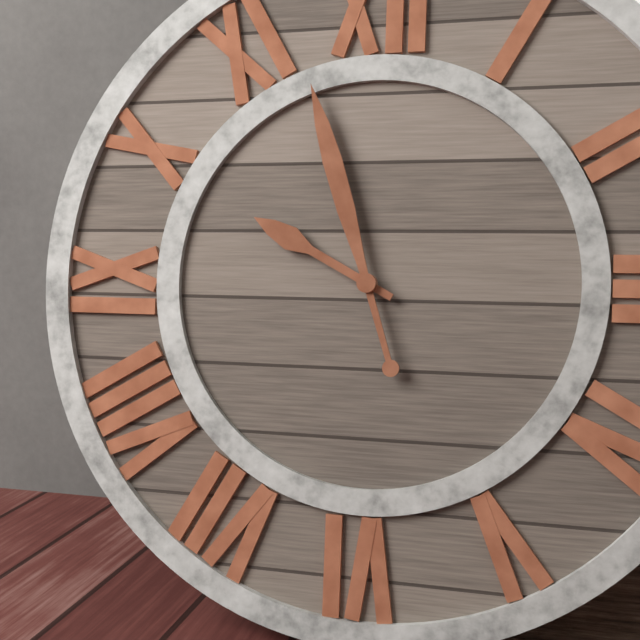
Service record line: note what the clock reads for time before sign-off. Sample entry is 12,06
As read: 9,57
